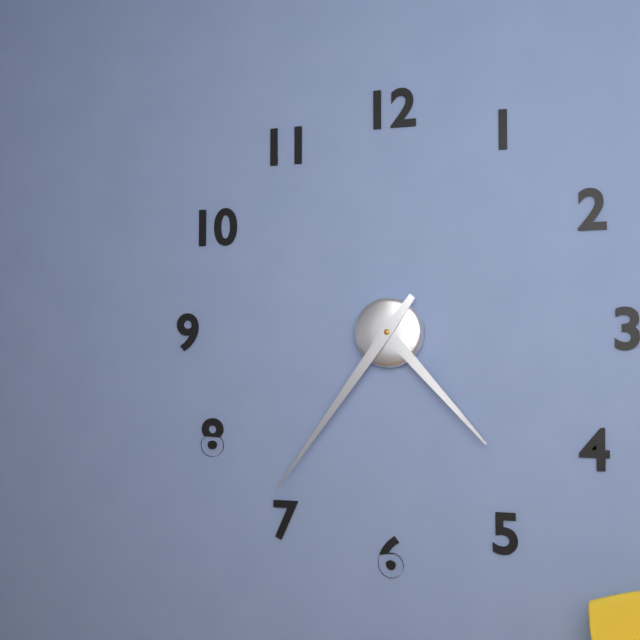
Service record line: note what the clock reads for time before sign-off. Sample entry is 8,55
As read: 4,36
